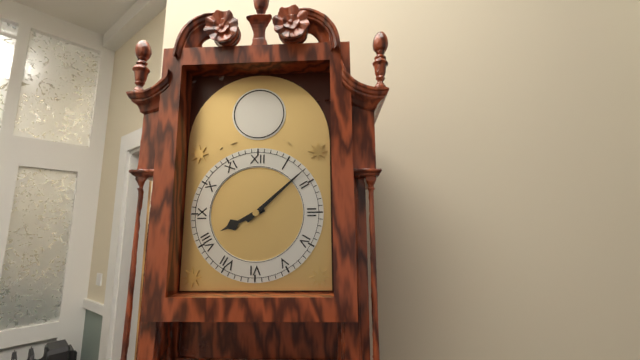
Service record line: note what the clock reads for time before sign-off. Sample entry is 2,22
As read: 8,08
